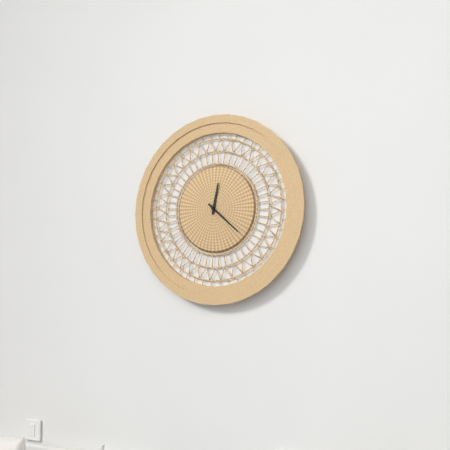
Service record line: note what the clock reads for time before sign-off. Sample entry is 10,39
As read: 12,22
